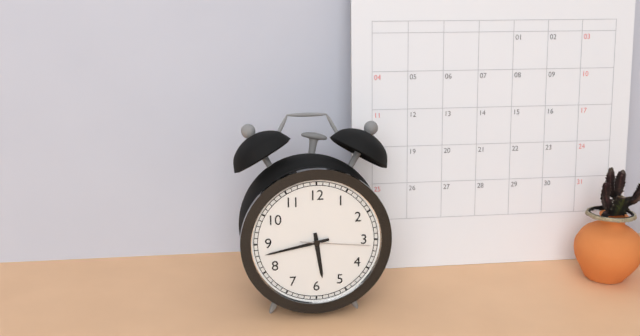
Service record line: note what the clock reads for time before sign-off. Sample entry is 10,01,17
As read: 5,43,16
